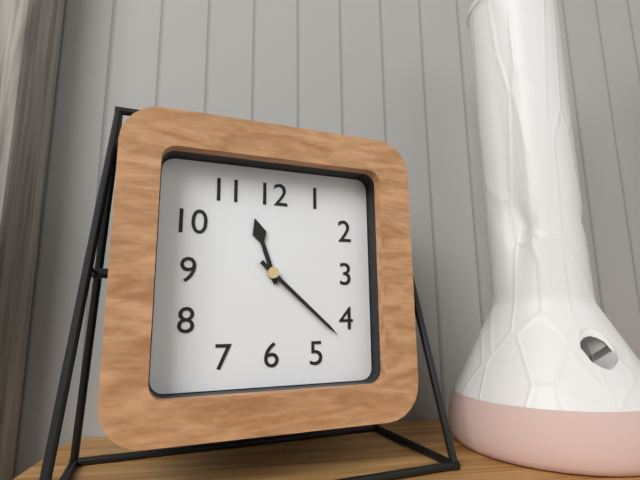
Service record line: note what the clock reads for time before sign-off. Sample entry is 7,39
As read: 11,22
